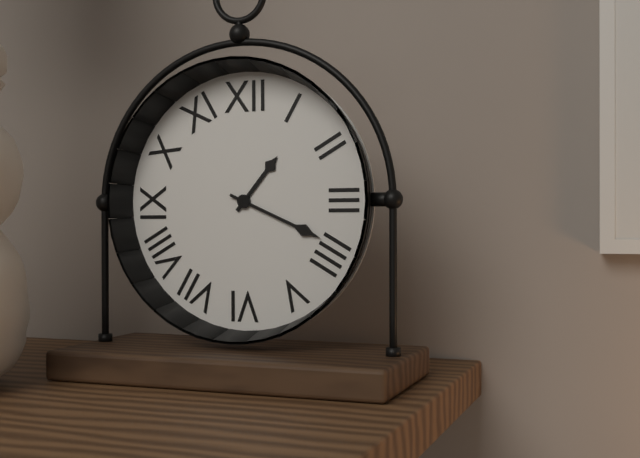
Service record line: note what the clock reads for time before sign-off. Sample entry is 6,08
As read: 1,19
